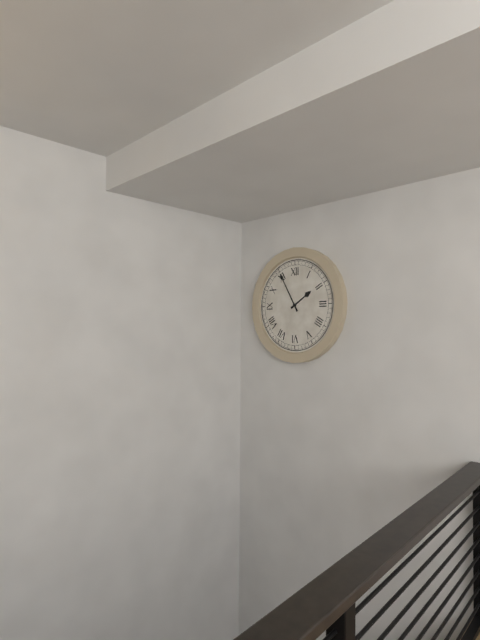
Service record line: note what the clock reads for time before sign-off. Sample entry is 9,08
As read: 1,55
